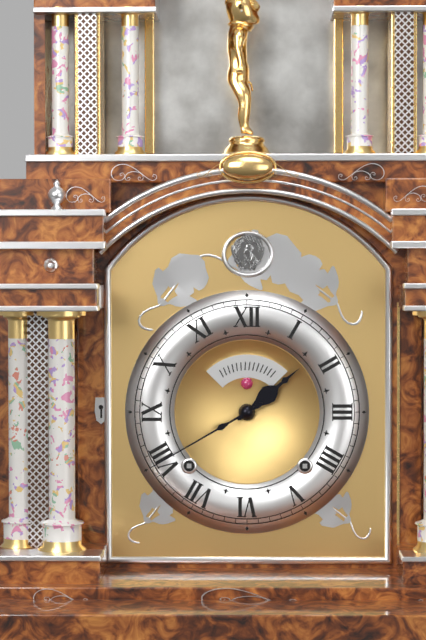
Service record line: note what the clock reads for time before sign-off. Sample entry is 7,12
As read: 1,40
